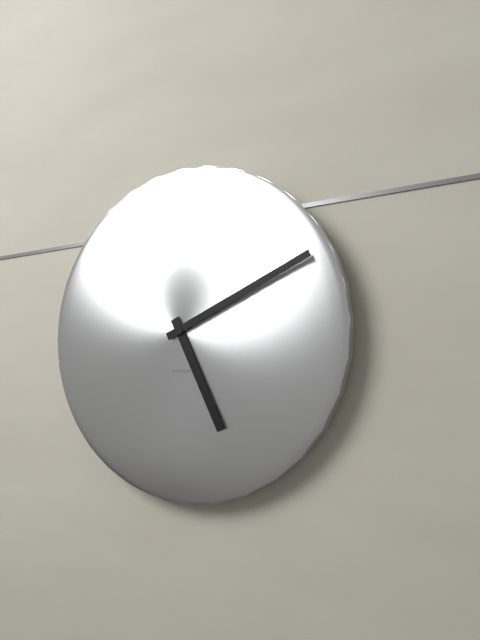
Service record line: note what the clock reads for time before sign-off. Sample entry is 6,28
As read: 5,11
